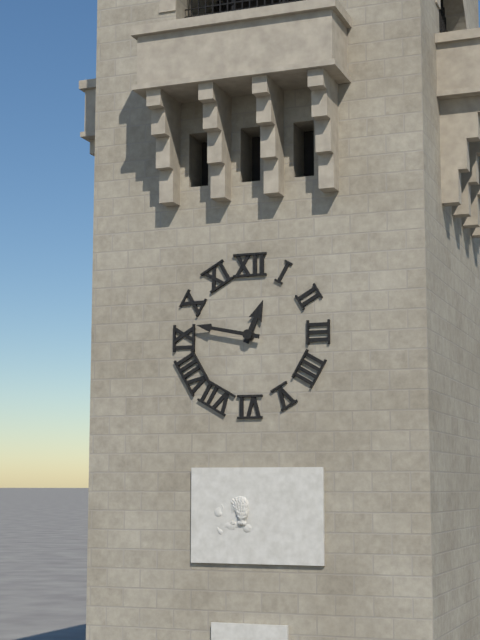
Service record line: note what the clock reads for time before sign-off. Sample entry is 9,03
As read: 12,47
